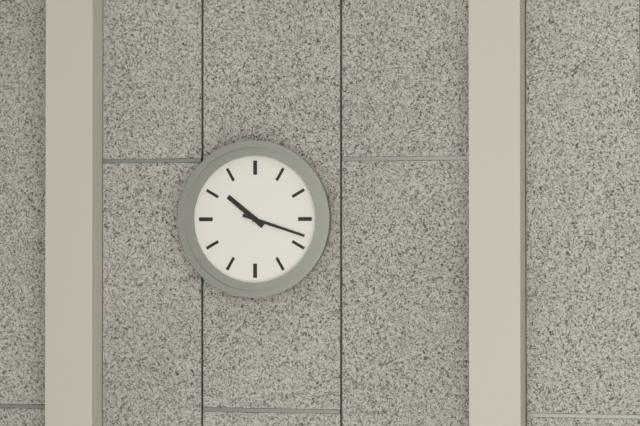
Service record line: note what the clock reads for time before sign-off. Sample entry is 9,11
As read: 10,18
